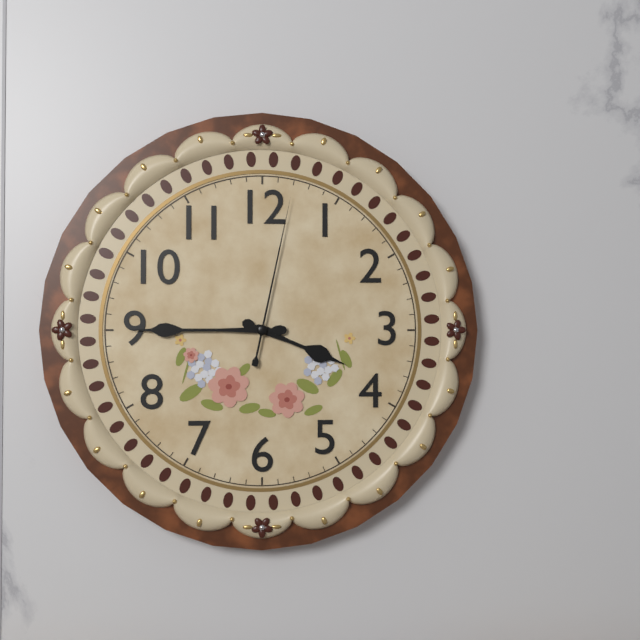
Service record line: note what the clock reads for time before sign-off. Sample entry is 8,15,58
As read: 3,45,02
